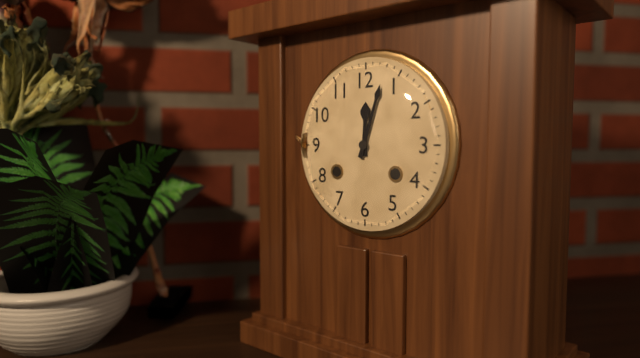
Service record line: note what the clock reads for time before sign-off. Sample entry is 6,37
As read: 12,03
